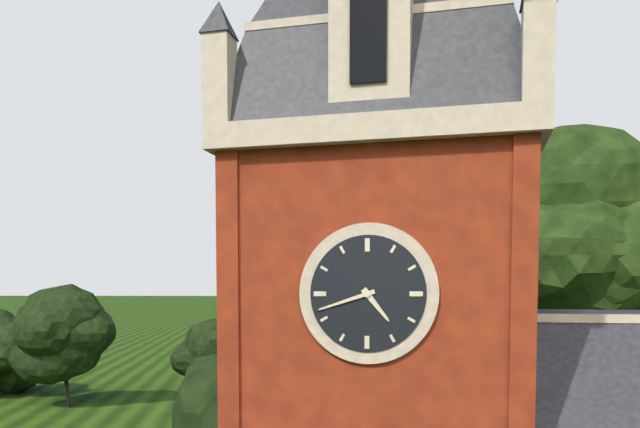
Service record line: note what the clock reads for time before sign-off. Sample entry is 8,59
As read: 4,42
